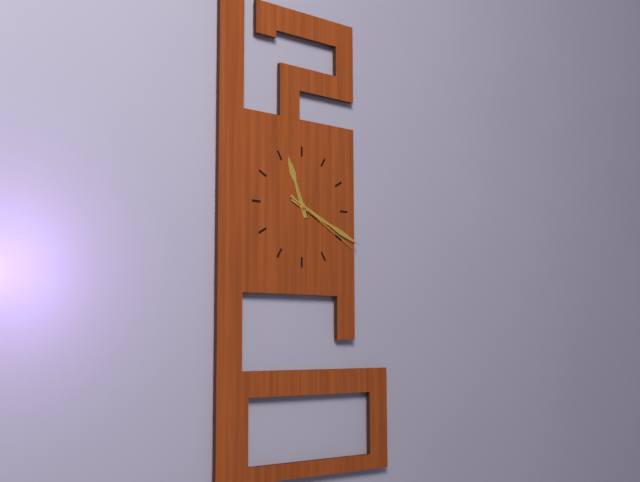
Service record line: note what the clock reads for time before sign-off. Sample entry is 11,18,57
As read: 11,19,20
